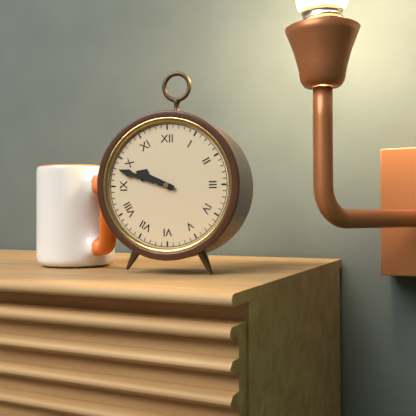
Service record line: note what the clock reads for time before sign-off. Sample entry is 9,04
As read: 9,48
